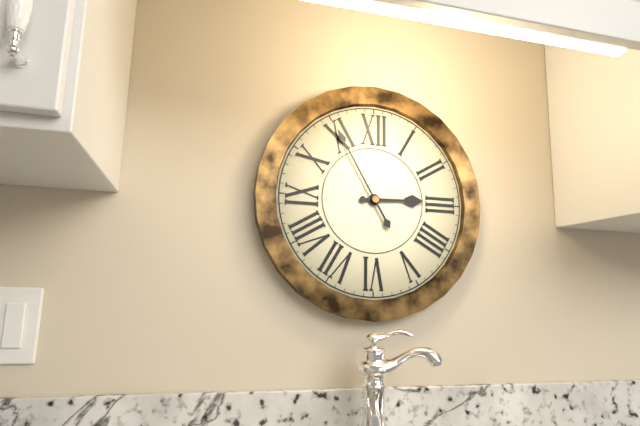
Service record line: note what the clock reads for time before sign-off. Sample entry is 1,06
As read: 2,55
